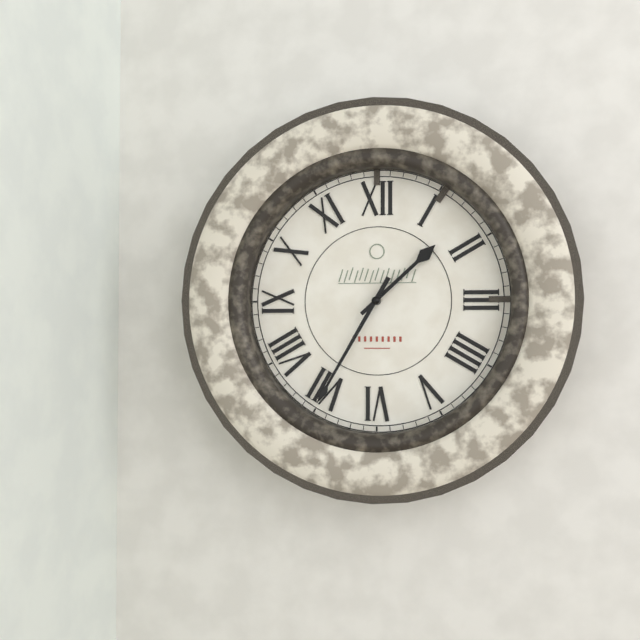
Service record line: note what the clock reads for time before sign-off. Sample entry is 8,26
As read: 1,35
